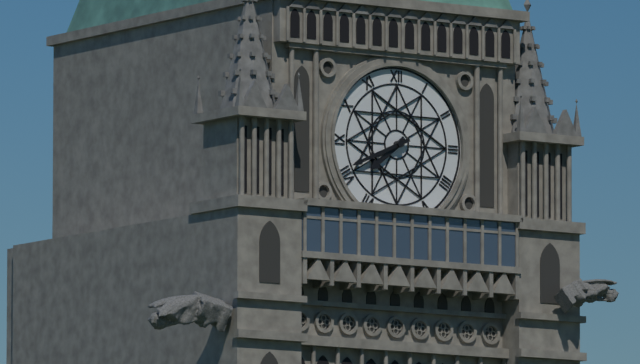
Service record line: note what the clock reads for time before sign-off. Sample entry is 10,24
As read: 7,41
